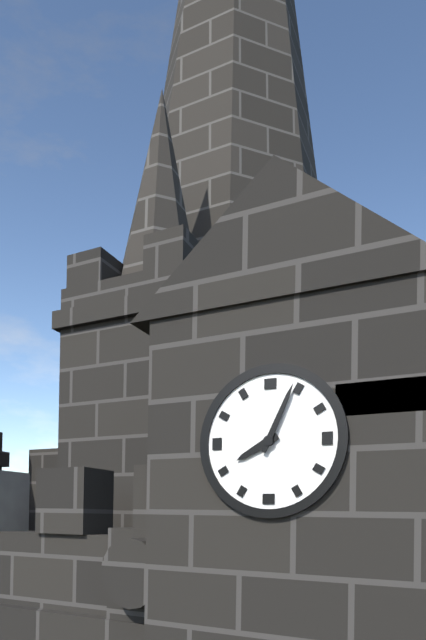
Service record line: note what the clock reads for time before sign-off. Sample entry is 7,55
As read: 8,04
